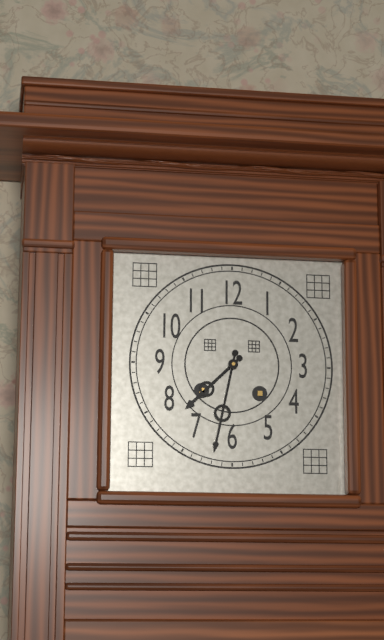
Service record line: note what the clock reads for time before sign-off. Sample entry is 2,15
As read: 7,32
